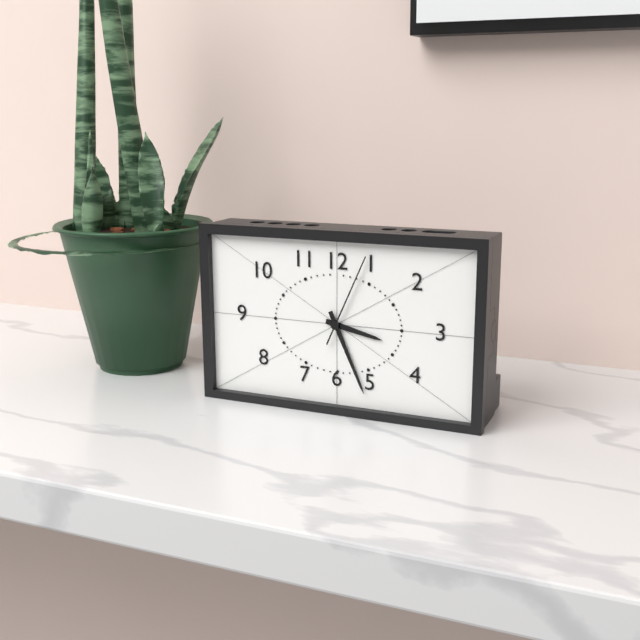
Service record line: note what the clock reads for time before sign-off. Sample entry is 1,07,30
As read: 3,26,04
